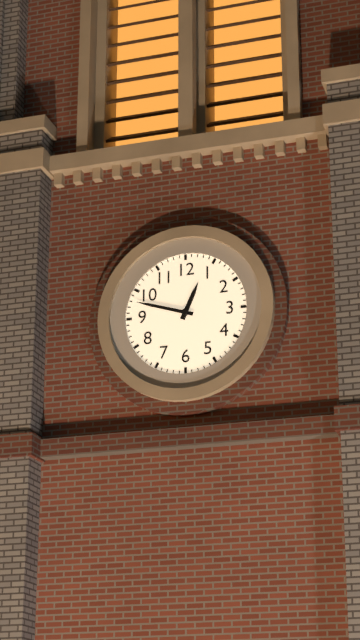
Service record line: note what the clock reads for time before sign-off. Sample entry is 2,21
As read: 12,48
